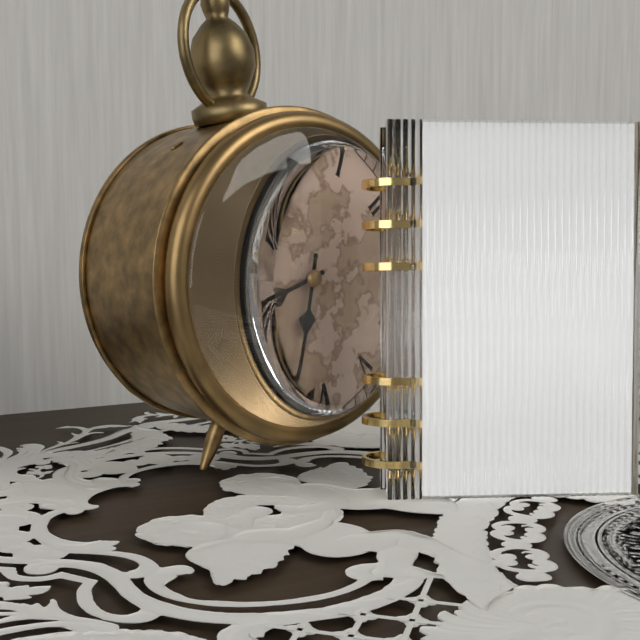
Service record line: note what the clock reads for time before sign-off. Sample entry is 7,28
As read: 8,33
